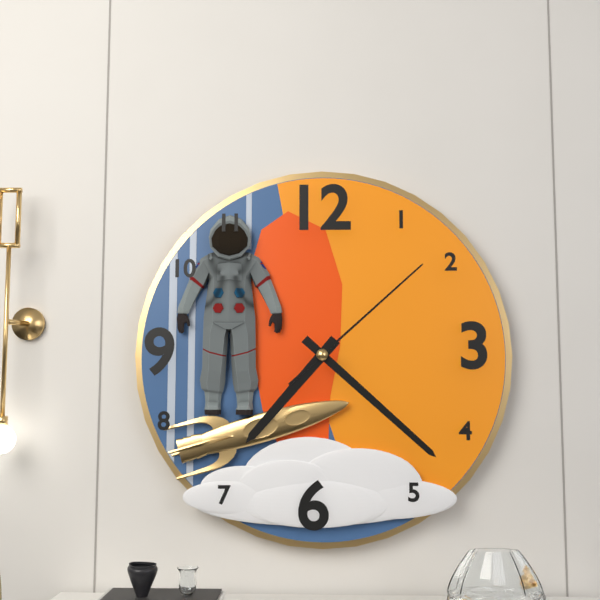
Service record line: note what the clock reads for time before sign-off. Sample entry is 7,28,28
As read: 7,22,08
